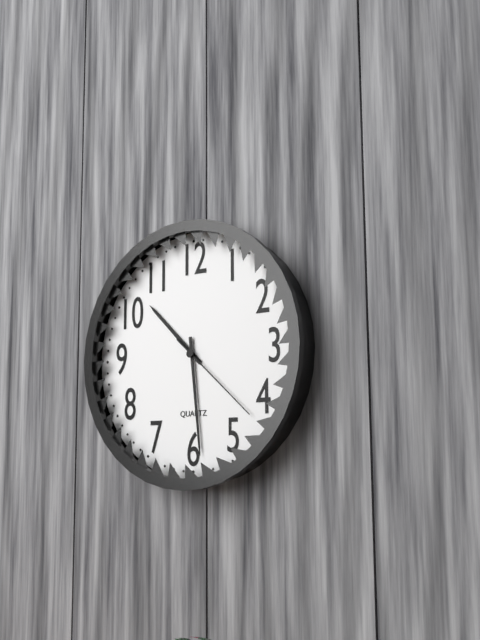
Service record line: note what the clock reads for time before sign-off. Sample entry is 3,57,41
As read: 10,29,22
